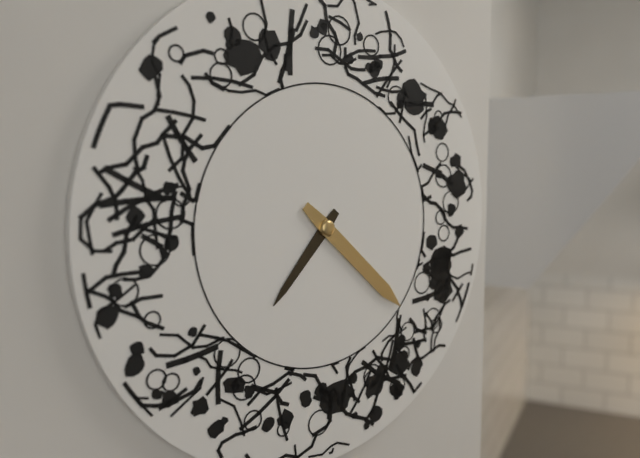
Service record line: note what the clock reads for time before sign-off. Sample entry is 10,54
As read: 7,22
